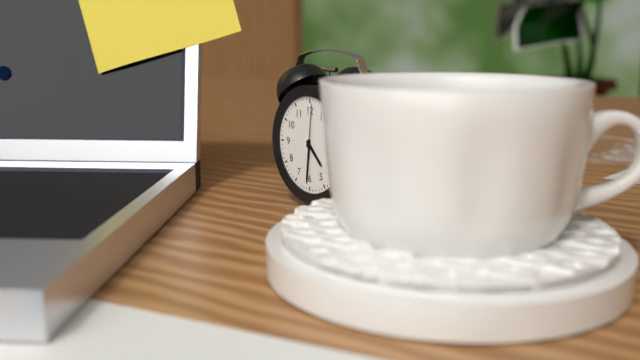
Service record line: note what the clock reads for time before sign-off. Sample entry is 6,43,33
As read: 4,31,01
